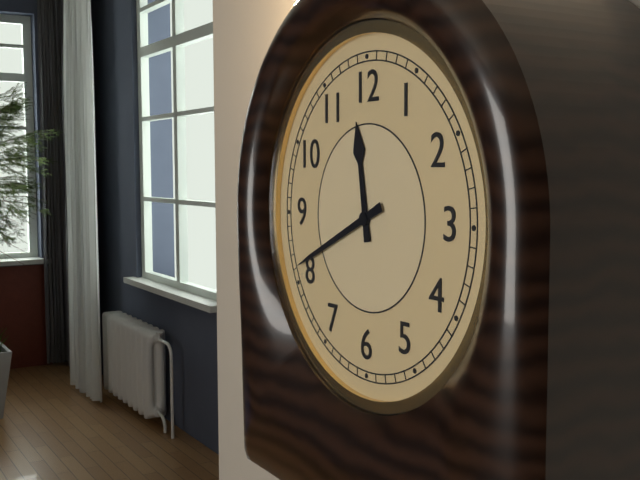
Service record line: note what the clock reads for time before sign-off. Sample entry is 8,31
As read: 11,41
